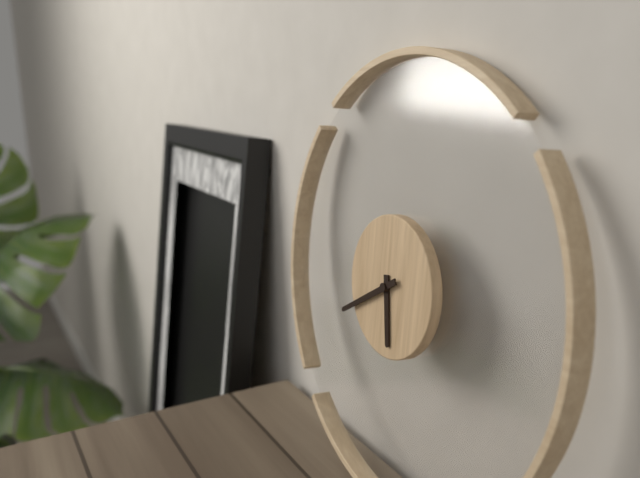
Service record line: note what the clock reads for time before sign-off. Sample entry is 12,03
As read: 5,40
